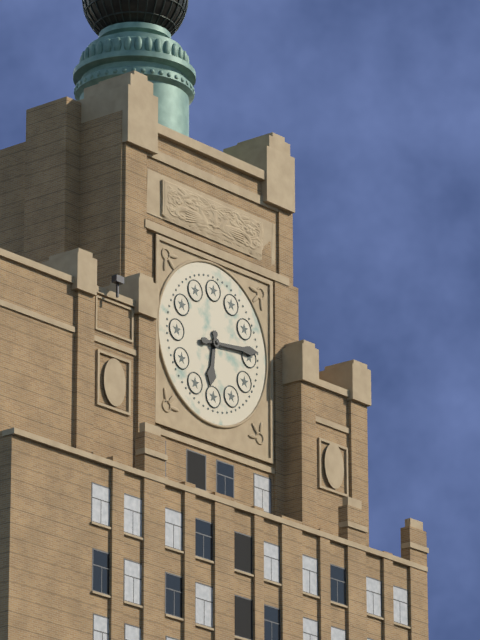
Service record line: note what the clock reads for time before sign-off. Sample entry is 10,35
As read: 6,14
